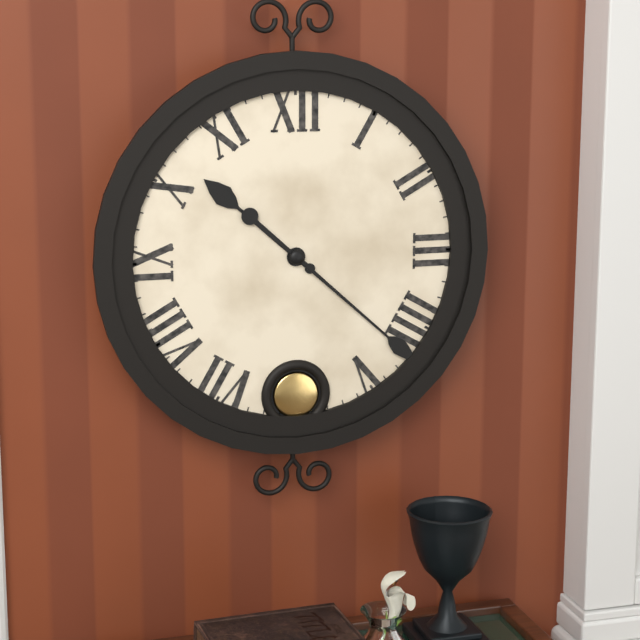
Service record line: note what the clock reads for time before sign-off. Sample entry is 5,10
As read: 10,22
